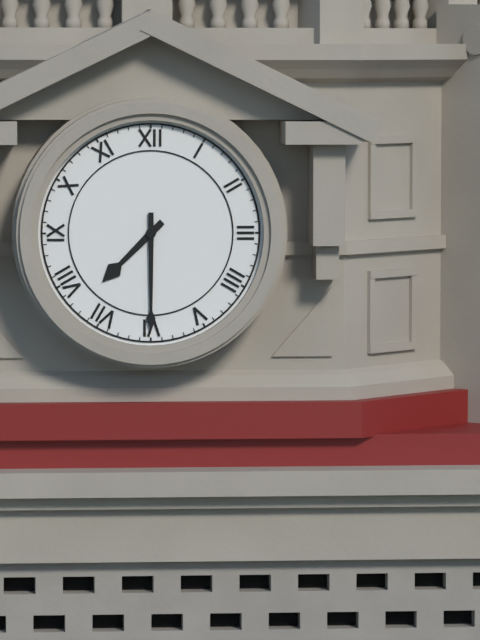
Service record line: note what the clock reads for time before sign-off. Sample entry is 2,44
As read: 7,30
